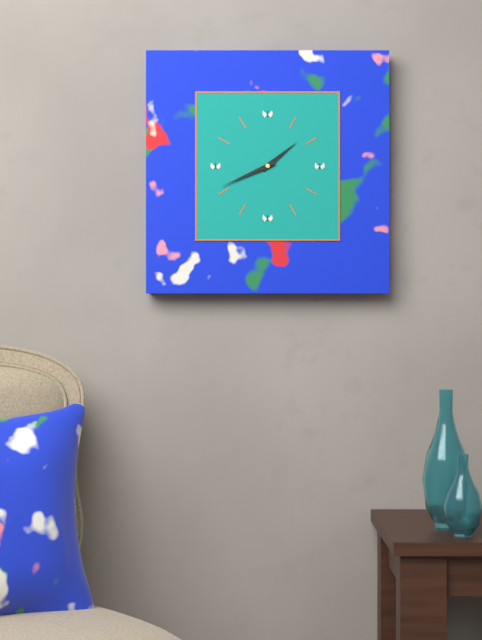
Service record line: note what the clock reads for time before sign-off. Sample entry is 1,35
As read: 1,41
